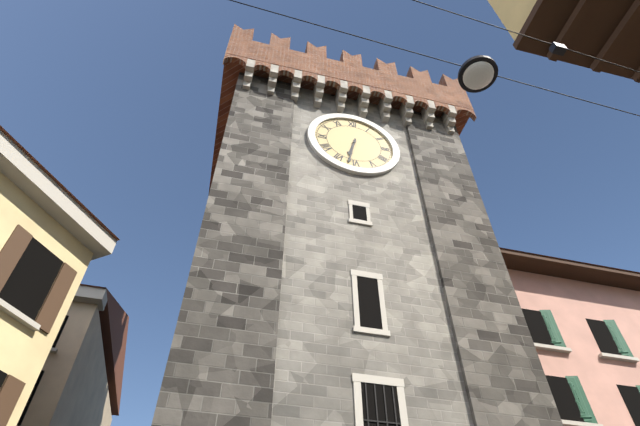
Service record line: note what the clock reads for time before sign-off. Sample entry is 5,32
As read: 6,32
